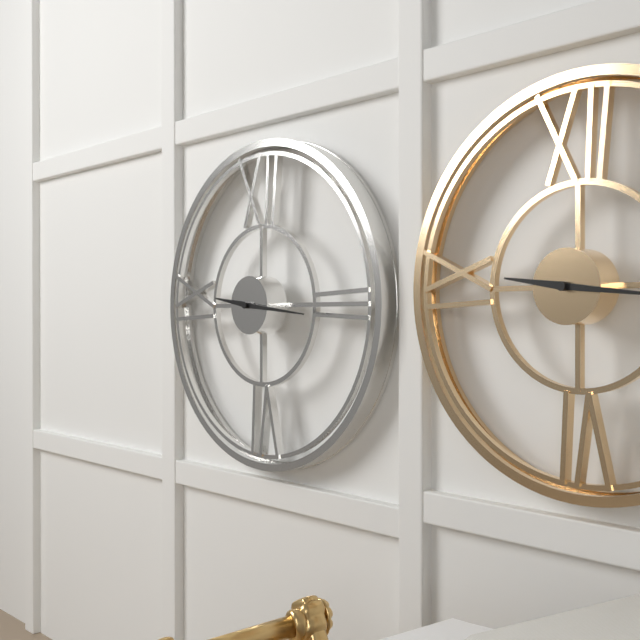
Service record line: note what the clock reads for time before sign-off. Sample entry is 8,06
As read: 9,16
